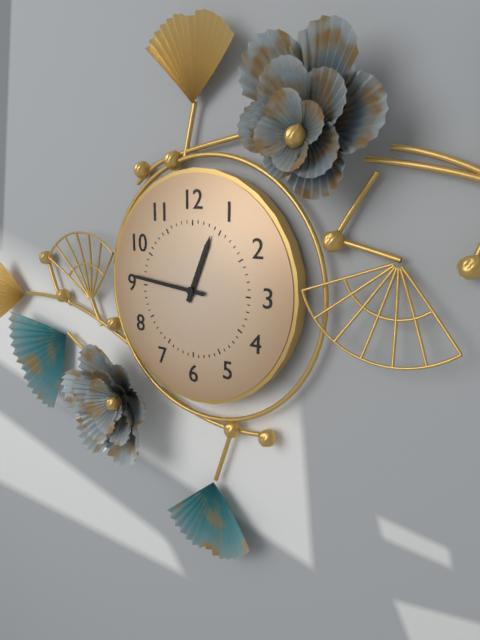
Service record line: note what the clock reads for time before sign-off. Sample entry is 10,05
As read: 12,46
